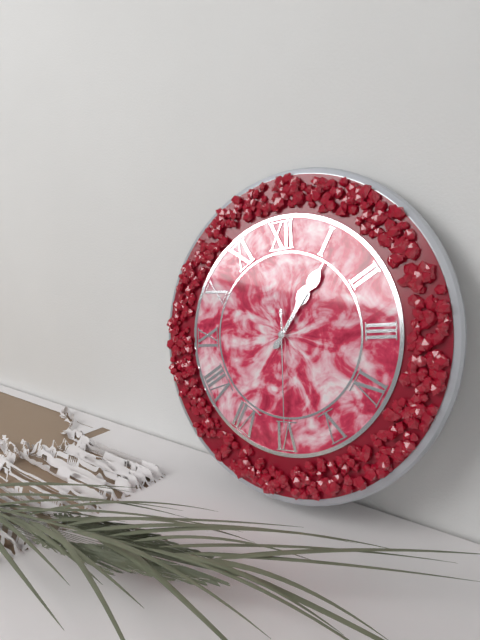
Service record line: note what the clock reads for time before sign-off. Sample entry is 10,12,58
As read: 1,06,30
